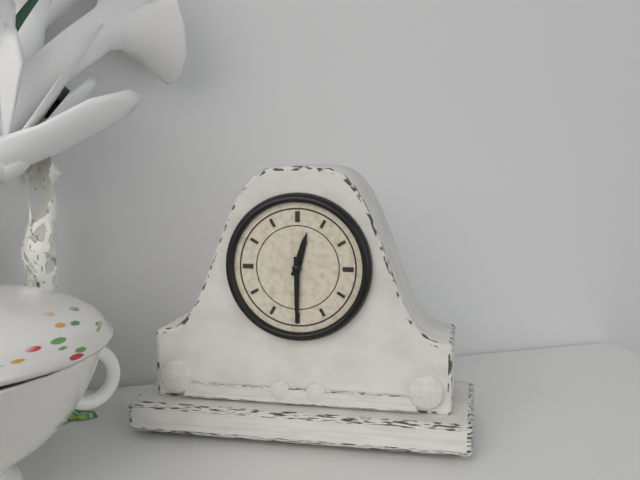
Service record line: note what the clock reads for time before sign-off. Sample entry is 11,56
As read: 12,30
